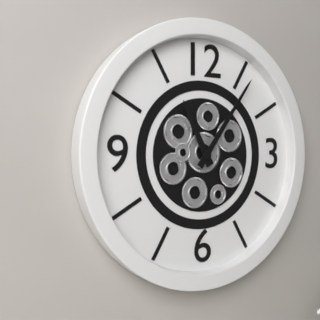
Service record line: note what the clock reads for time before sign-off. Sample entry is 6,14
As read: 11,06
